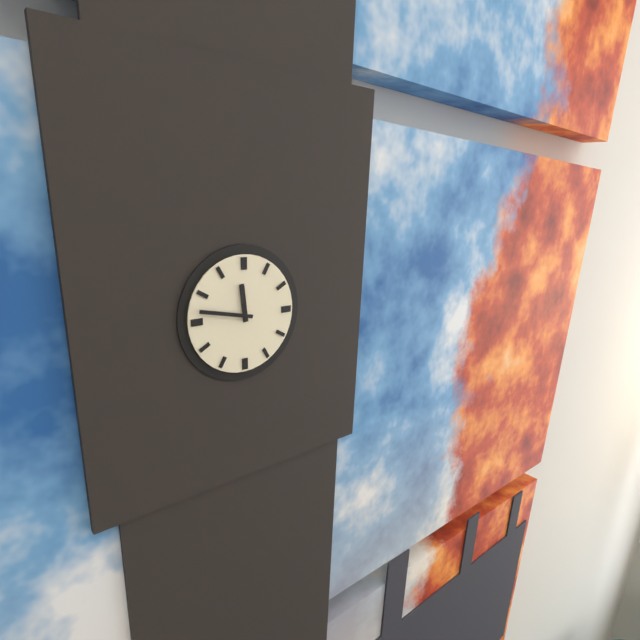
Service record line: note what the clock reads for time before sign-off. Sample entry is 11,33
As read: 11,47
